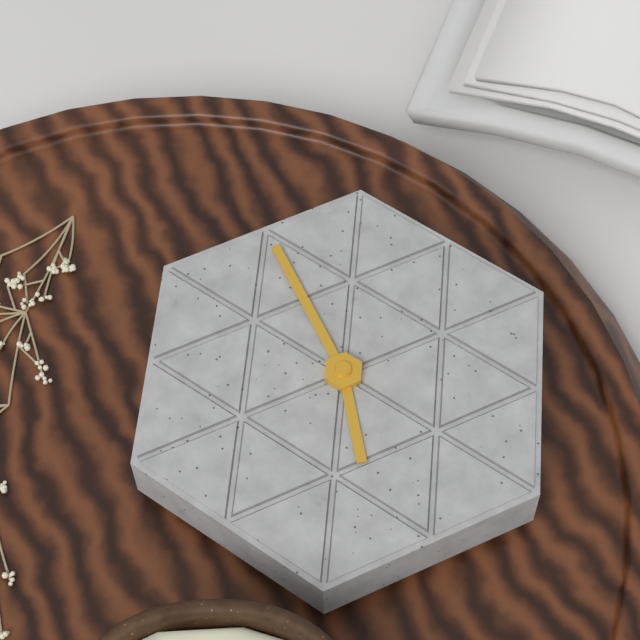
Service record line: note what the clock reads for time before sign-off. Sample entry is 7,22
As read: 12,30
